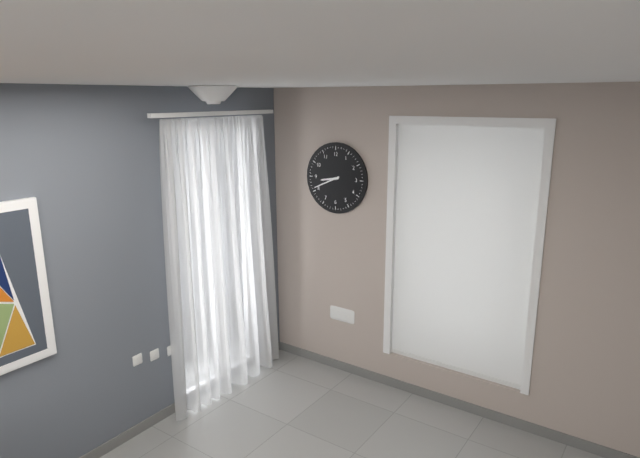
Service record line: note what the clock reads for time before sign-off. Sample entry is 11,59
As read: 8,41
